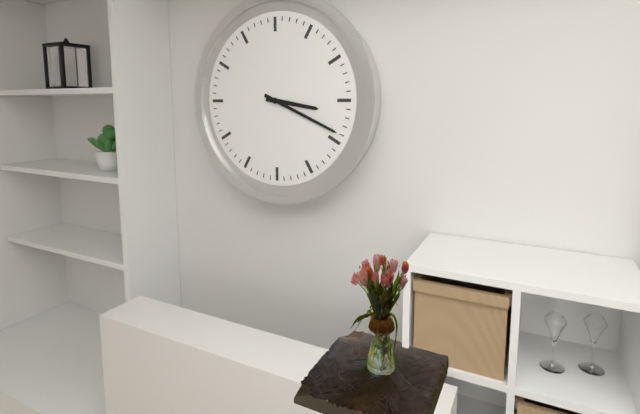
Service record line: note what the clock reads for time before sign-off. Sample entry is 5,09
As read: 3,19
